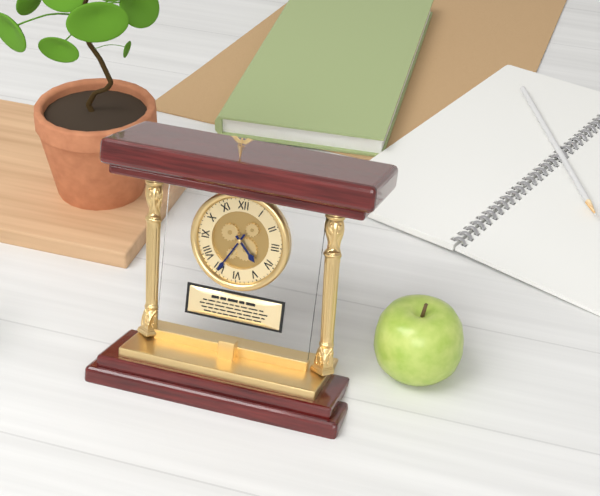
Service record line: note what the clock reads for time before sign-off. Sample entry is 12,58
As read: 4,35
